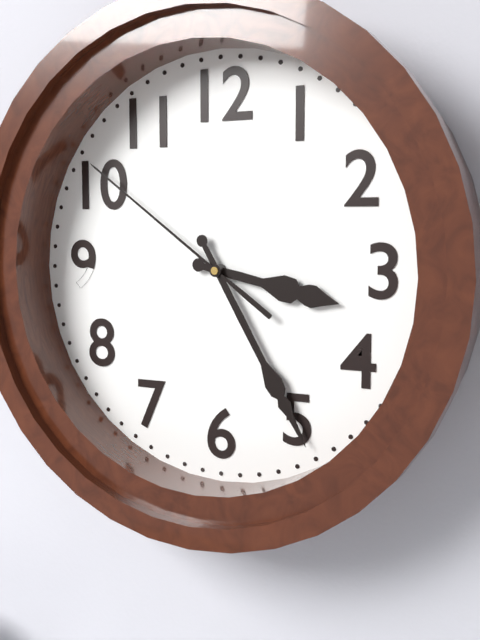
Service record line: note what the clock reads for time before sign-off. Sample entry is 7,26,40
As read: 3,25,51
